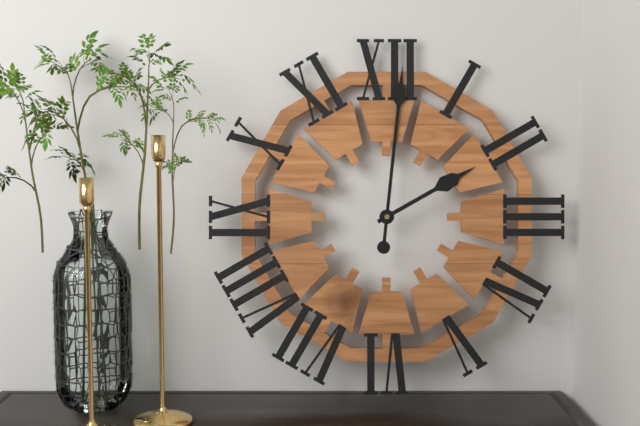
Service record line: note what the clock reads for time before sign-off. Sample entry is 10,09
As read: 2,01
